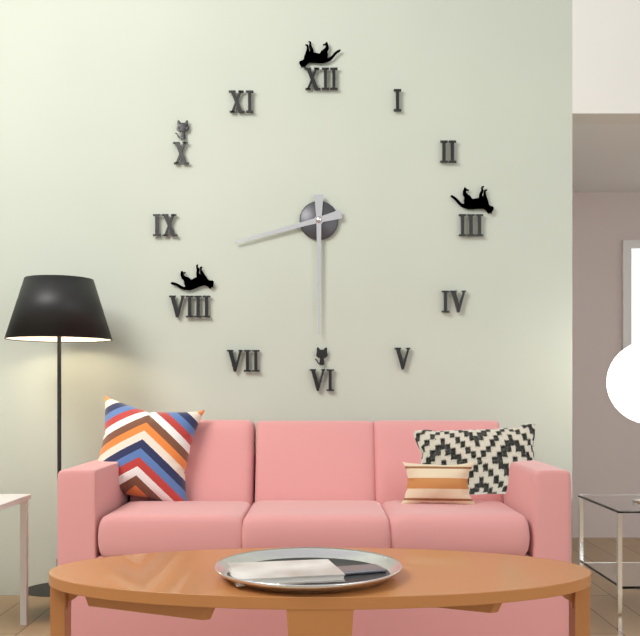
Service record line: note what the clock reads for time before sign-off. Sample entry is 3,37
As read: 8,30
